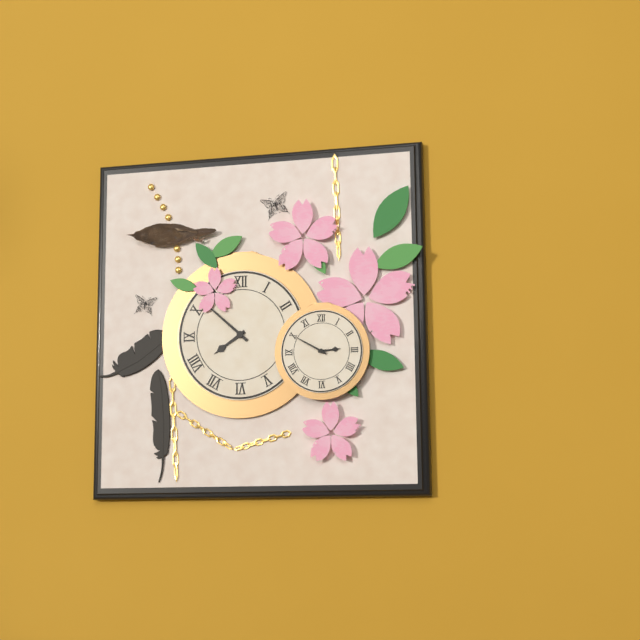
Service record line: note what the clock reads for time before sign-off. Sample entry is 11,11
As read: 7,52
